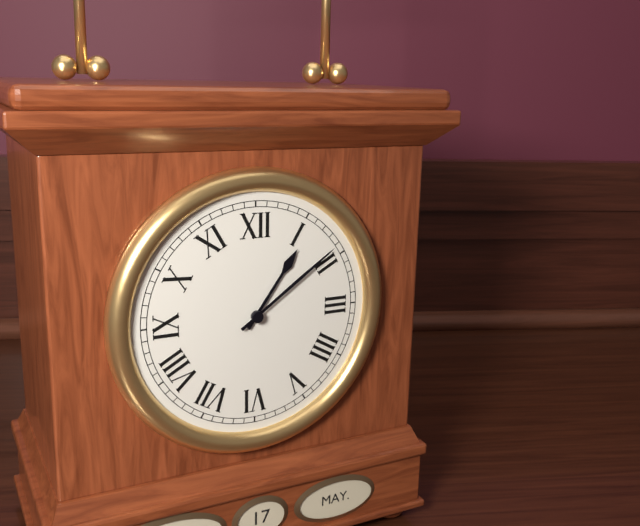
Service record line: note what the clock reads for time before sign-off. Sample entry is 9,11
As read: 1,09
